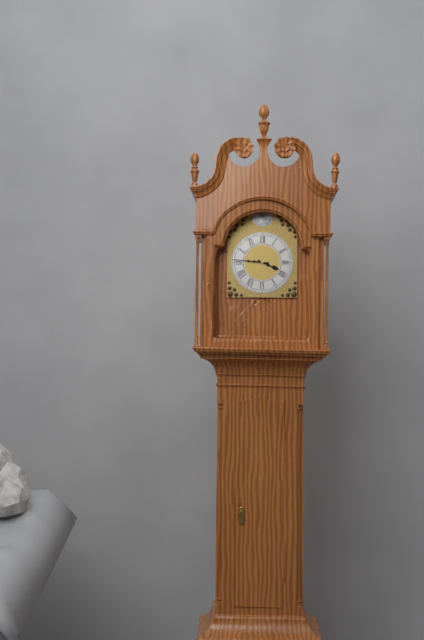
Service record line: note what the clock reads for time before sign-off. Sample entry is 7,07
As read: 3,46
